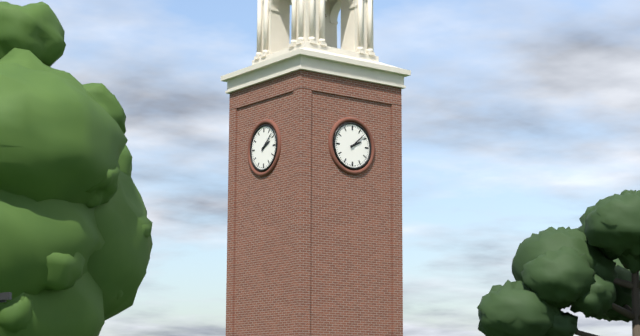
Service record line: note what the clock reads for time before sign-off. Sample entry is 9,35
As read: 2,08
